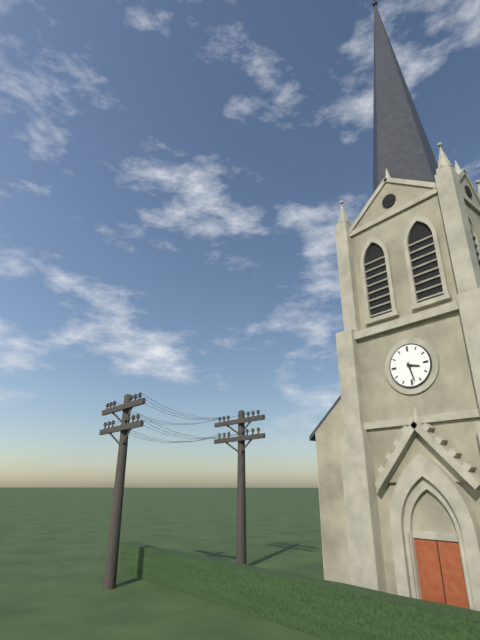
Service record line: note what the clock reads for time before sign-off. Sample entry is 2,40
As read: 3,28
